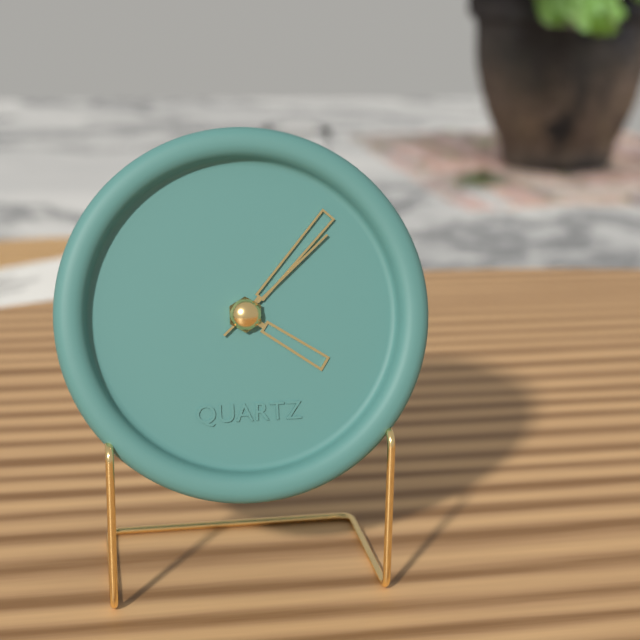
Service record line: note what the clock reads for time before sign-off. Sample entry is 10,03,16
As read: 4,07,08
